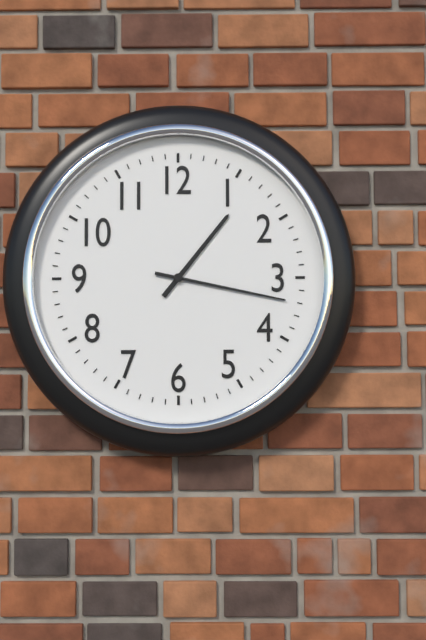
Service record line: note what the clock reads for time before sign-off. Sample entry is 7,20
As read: 1,17
